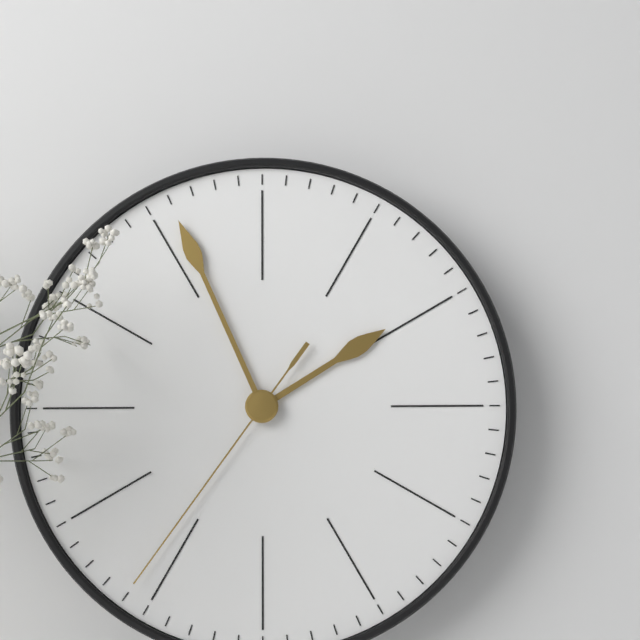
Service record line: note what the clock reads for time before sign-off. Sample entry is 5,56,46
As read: 1,56,36
